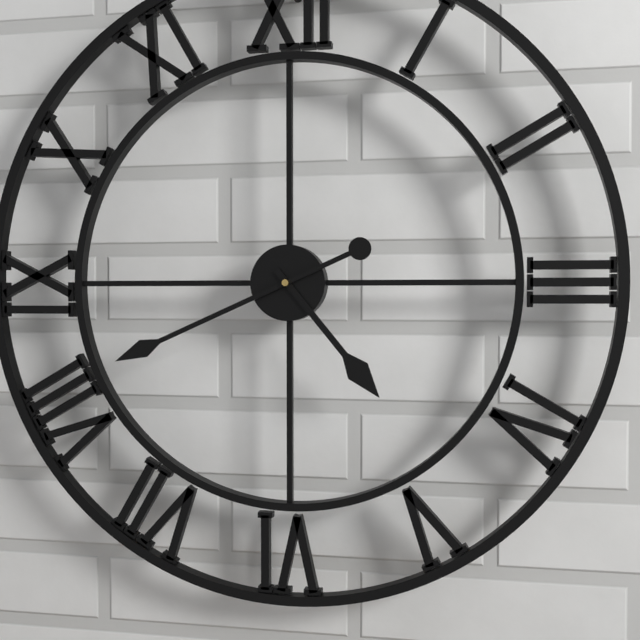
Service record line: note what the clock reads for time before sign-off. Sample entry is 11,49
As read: 4,41
